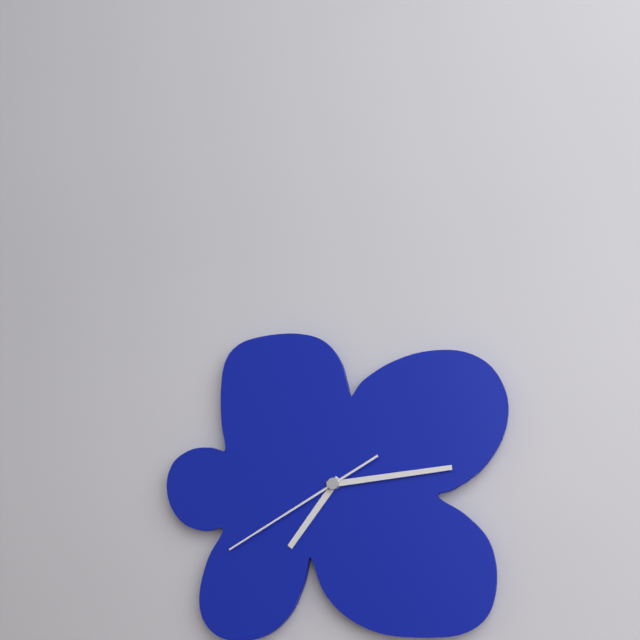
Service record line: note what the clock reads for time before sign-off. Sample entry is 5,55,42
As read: 7,14,40
